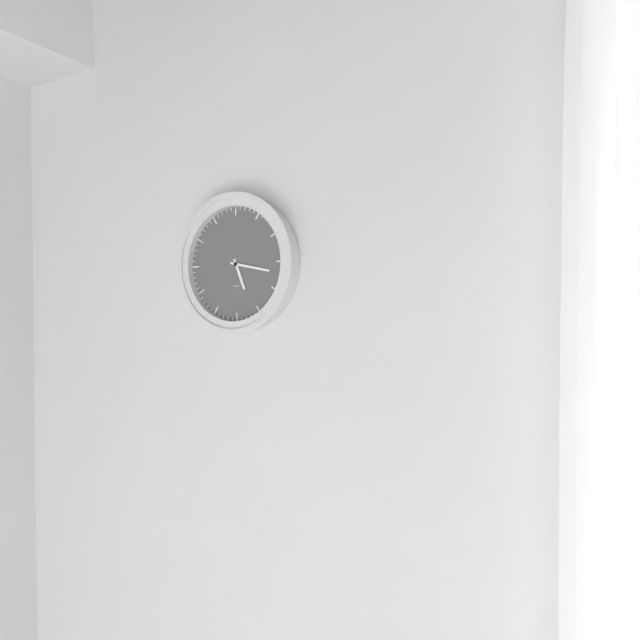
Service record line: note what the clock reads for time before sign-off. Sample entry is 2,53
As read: 5,17
